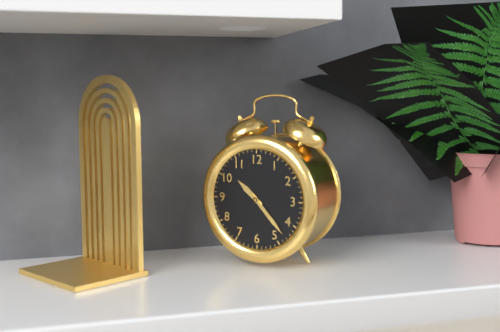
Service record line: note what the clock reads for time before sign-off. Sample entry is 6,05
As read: 10,23
